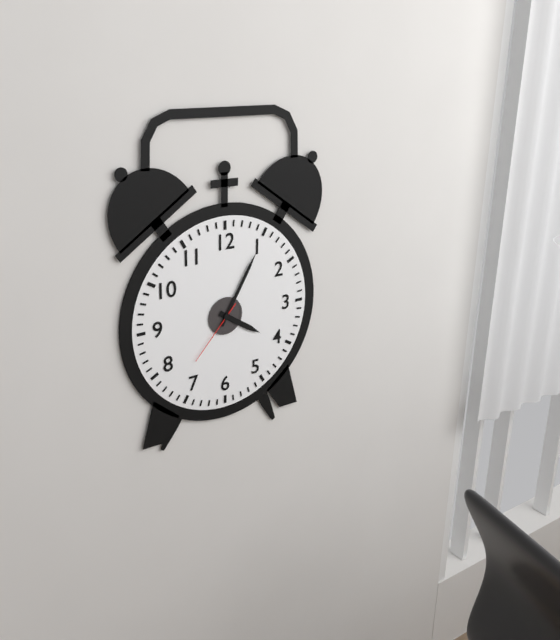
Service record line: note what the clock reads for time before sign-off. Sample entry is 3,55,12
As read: 4,05,37
